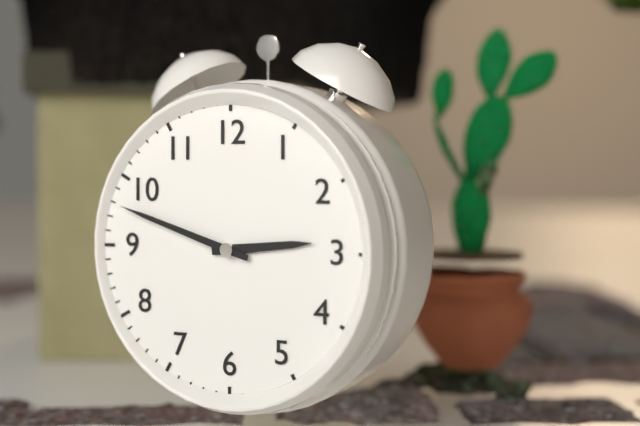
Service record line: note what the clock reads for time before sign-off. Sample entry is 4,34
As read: 2,48
